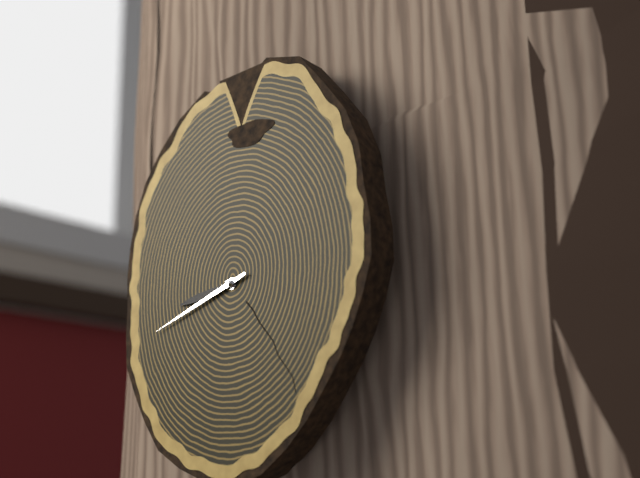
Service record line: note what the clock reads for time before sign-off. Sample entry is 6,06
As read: 8,42
